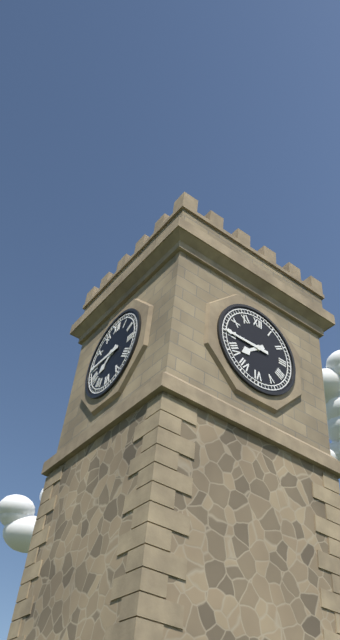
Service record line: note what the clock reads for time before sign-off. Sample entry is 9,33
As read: 7,45
